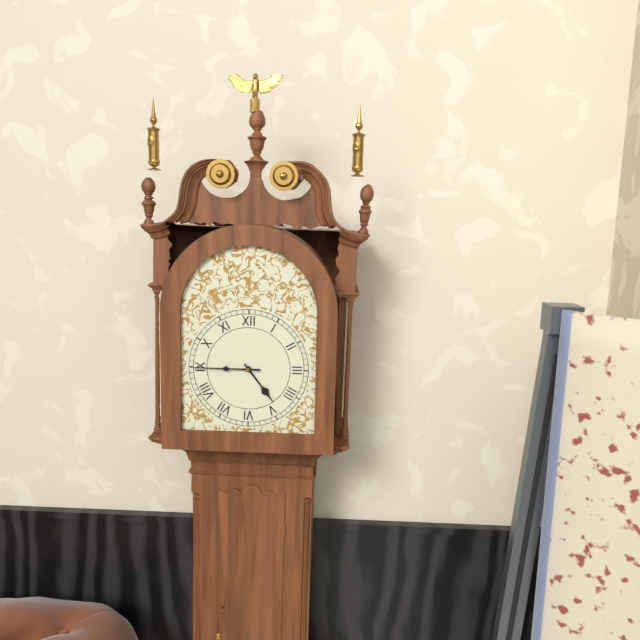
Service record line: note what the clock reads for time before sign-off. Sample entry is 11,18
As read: 4,45
